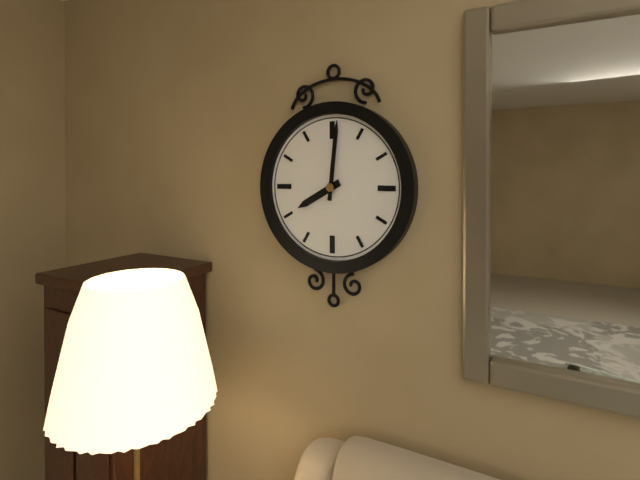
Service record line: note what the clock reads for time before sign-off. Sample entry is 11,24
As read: 8,01
